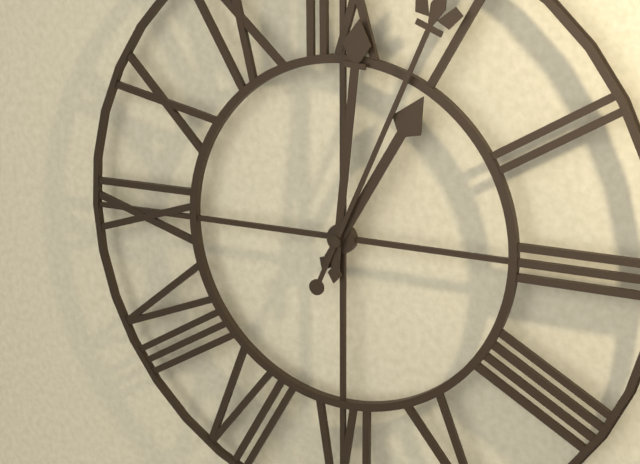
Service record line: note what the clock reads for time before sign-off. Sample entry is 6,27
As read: 1,01
